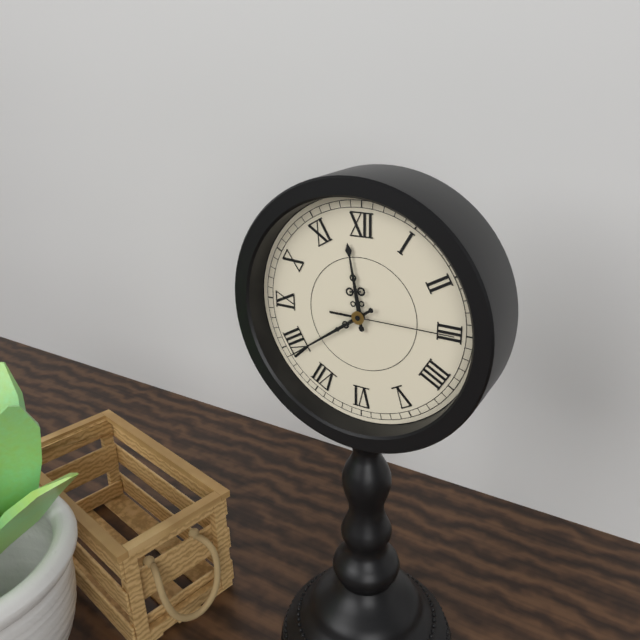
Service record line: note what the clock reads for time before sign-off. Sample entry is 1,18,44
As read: 11,39,15
